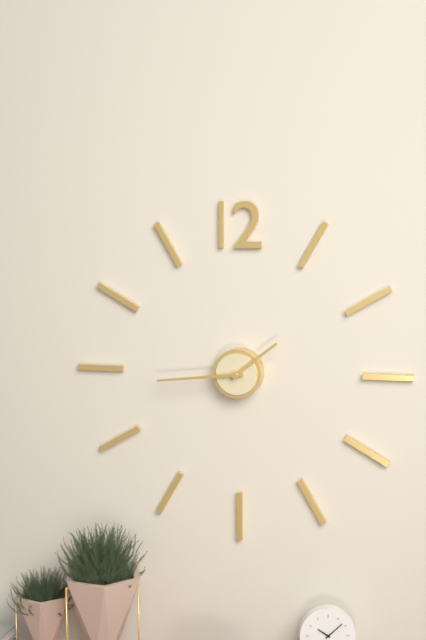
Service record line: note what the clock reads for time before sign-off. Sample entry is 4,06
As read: 1,44
